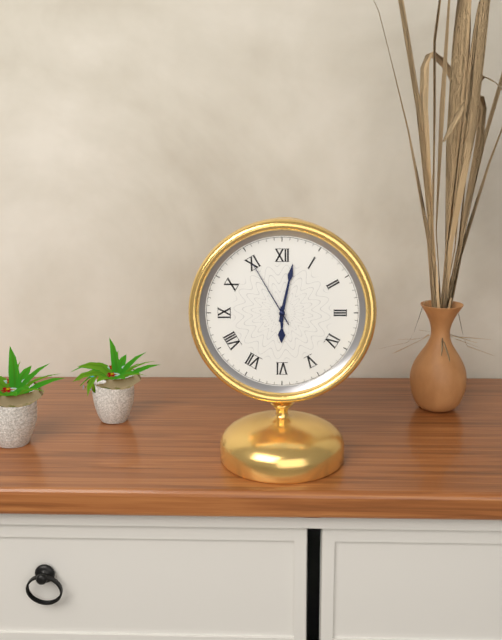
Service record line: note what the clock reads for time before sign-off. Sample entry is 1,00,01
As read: 6,02,55
